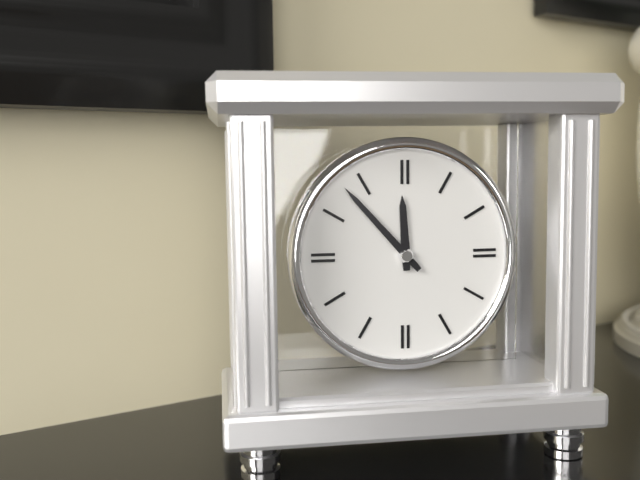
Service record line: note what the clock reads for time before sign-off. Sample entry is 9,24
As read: 11,53
